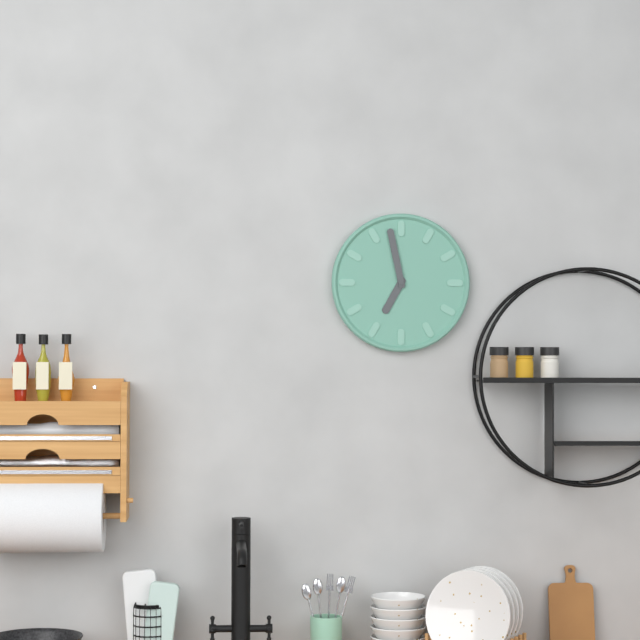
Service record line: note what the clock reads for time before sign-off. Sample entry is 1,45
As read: 6,58
